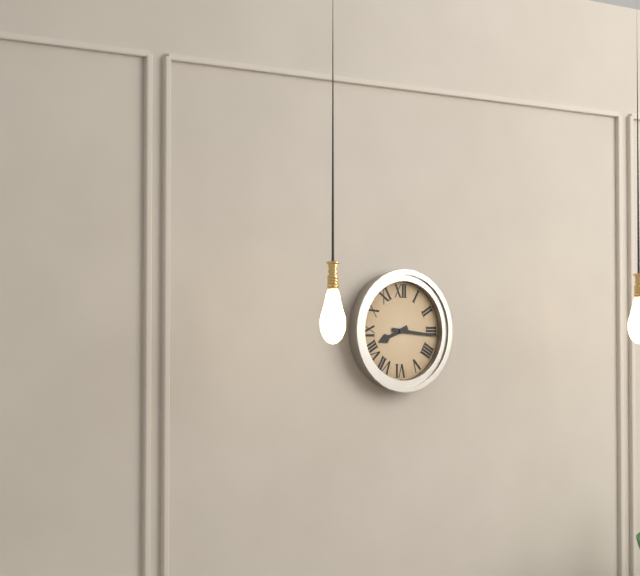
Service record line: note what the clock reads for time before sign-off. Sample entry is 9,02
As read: 8,16
